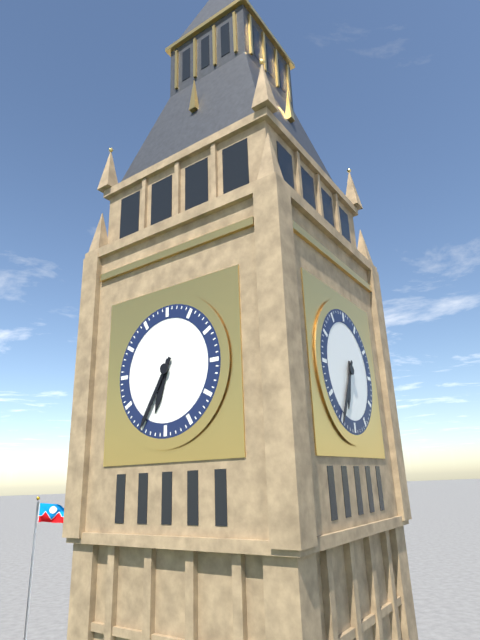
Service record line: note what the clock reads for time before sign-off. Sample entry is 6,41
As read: 6,35
